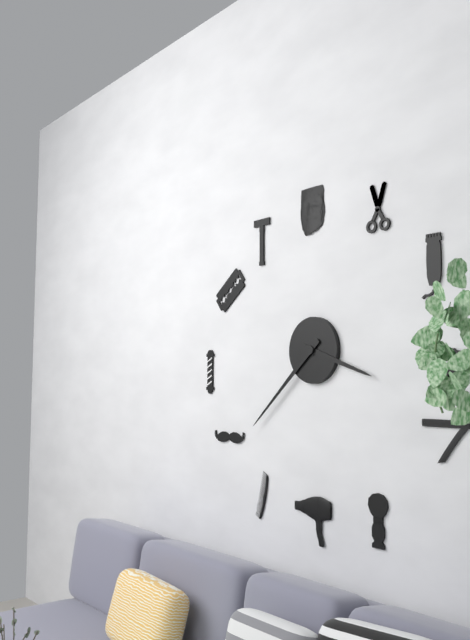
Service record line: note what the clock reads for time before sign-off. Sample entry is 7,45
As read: 3,38
